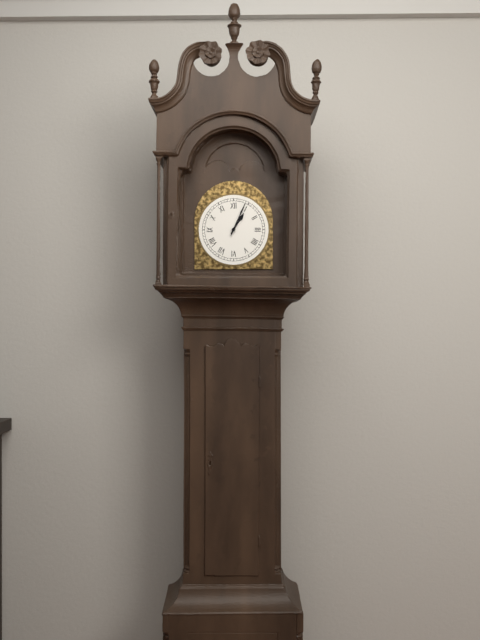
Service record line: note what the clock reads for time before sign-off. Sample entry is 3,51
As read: 1,04
